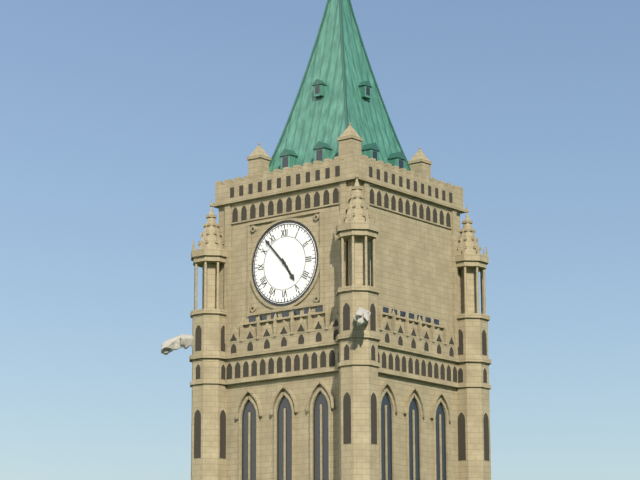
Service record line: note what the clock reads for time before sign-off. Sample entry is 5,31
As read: 4,53
